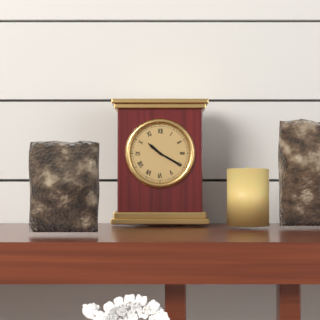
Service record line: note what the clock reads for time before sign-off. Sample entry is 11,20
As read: 10,20
